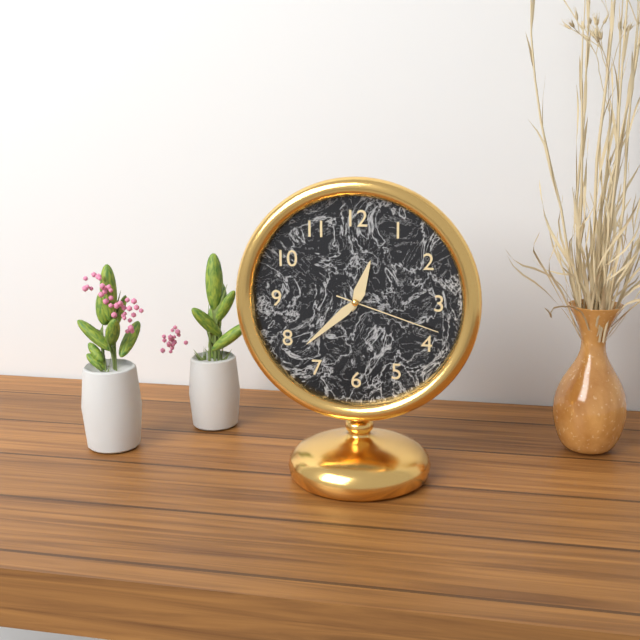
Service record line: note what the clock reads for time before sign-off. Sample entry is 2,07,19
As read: 12,38,18
